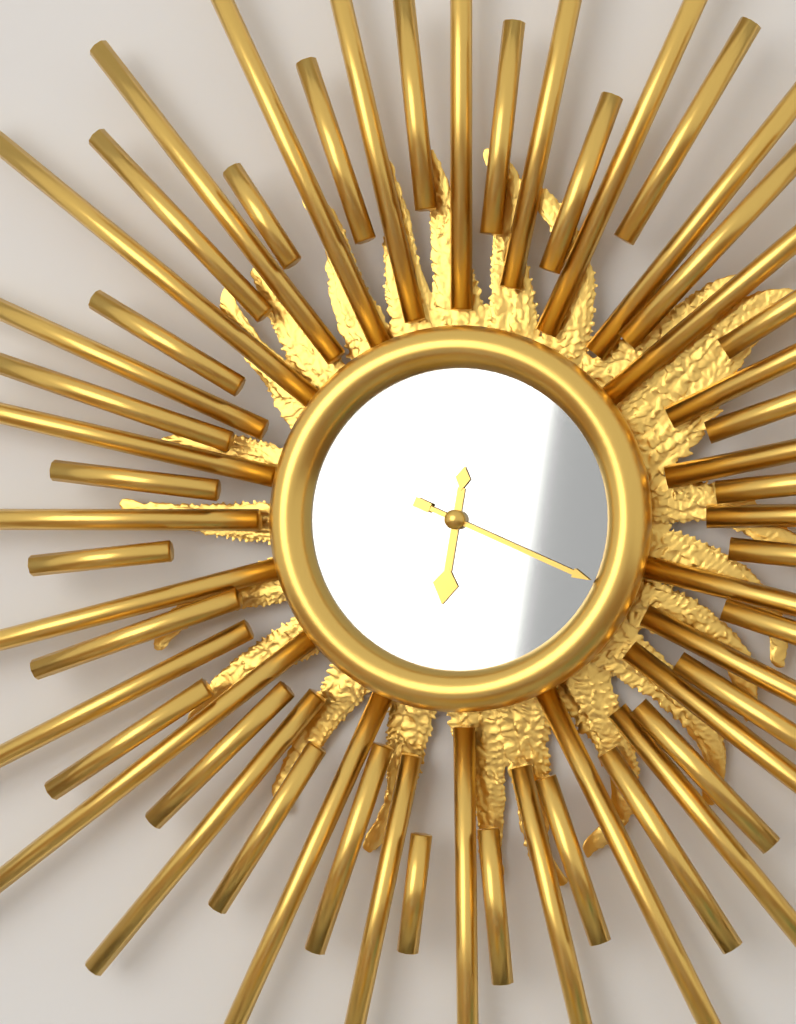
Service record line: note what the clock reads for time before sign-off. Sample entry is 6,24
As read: 6,19
